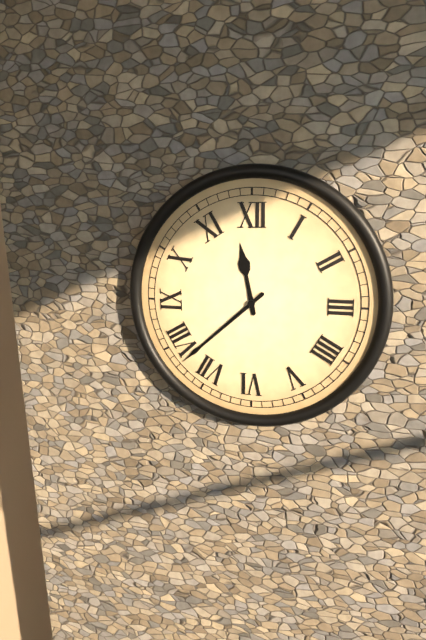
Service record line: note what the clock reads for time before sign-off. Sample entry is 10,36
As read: 11,38
